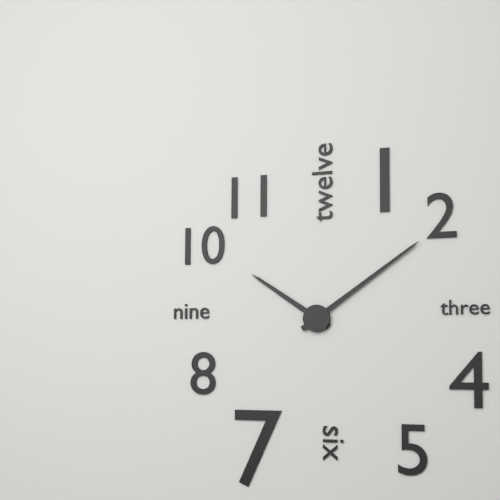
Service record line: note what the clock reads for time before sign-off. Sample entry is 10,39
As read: 10,09
